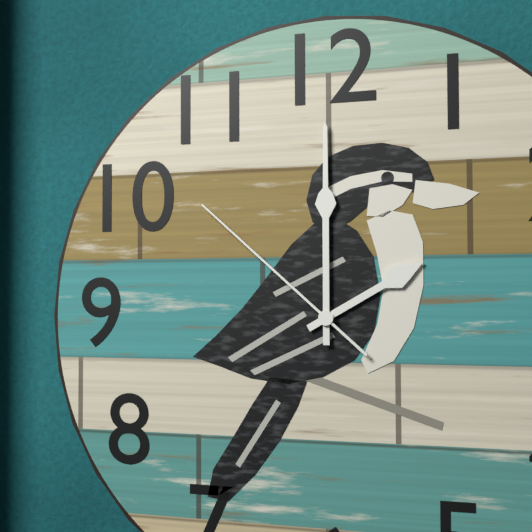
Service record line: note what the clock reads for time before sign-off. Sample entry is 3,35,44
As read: 2,00,52
